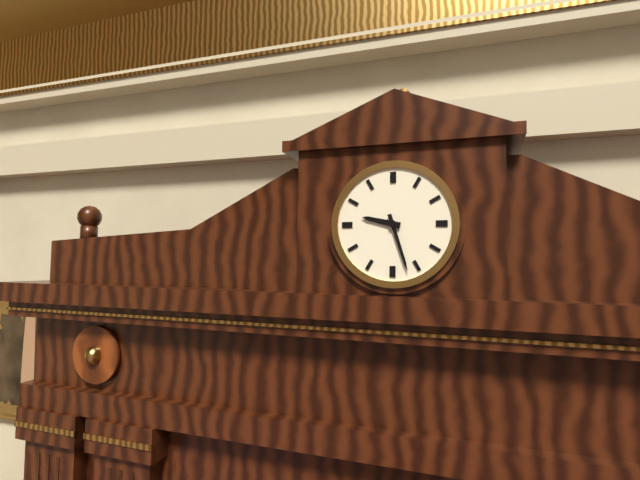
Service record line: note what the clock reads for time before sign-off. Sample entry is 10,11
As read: 9,27
